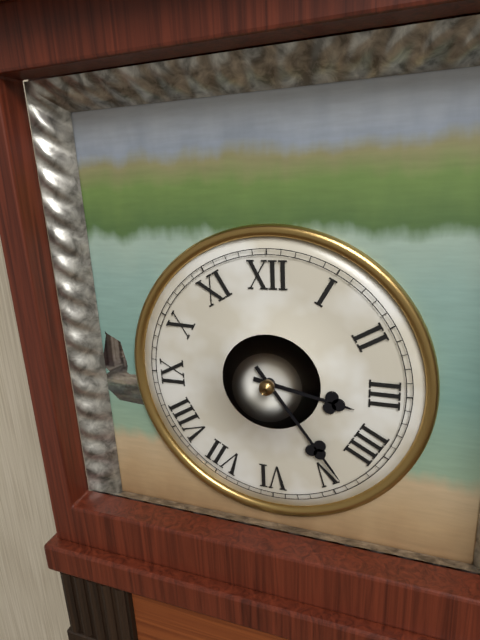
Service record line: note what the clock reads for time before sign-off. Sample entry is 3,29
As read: 3,24
